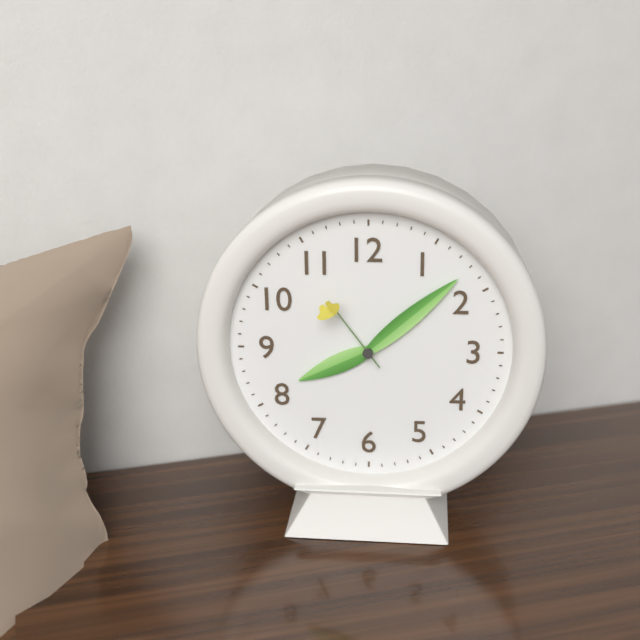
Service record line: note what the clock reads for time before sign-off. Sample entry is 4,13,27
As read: 8,08,54
